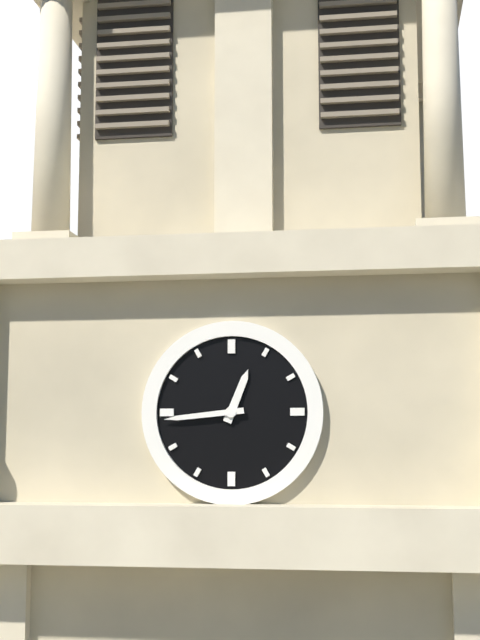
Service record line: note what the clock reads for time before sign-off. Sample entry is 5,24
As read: 12,44
